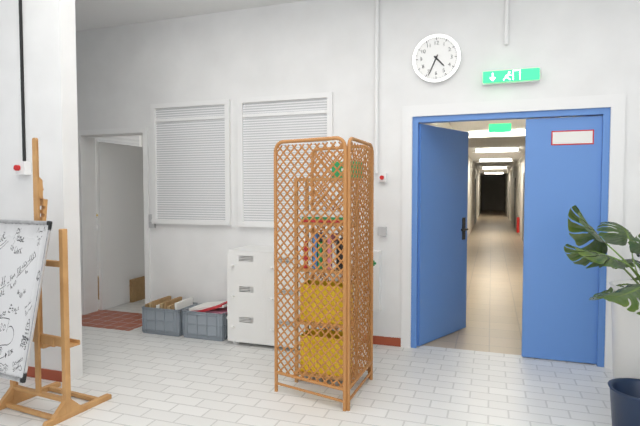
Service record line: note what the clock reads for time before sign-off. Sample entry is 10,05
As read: 4,34
